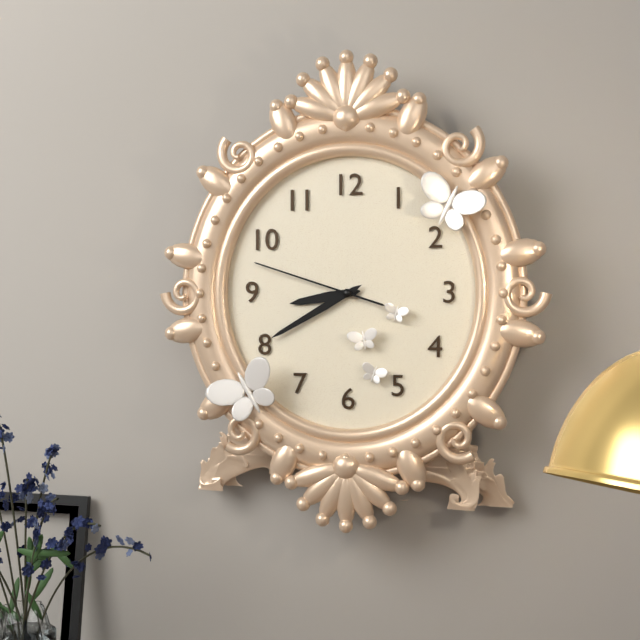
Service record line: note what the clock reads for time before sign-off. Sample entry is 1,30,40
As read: 8,40,48
